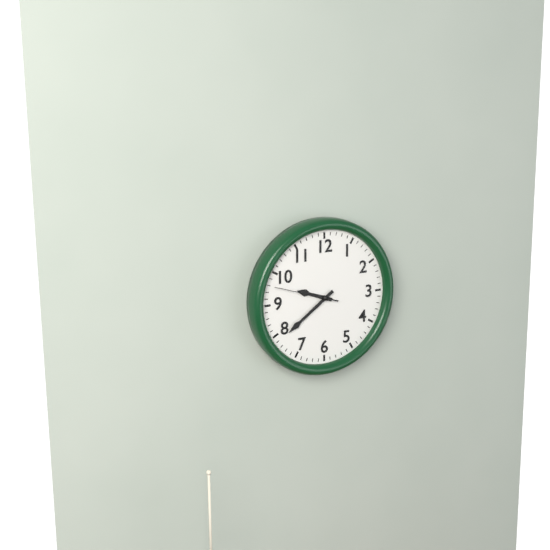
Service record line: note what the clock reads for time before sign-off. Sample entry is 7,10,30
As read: 9,39,48
